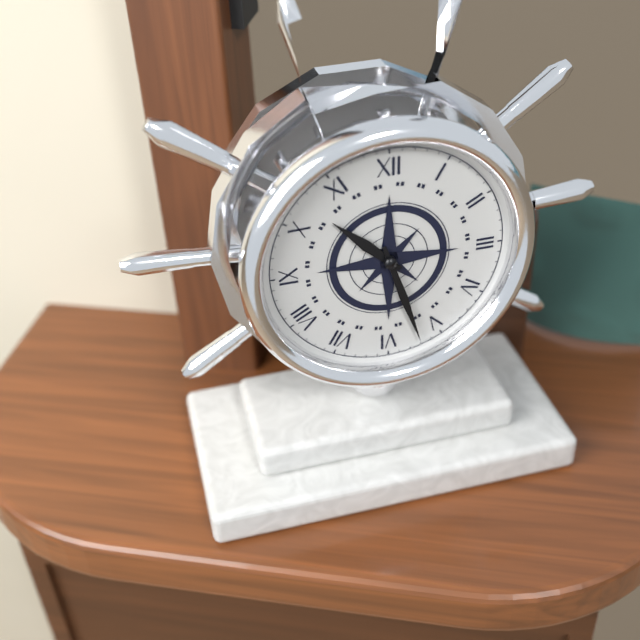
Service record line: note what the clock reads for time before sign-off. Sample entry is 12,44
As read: 10,27
